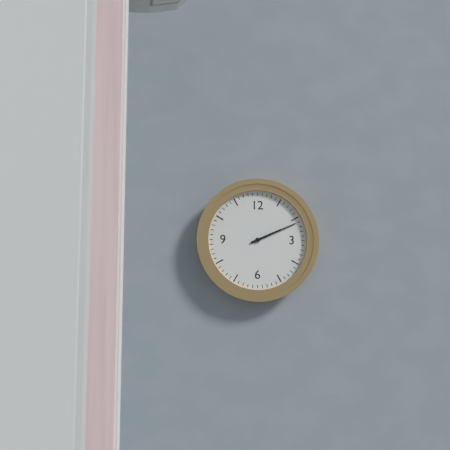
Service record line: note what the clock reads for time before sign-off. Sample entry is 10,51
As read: 2,11
